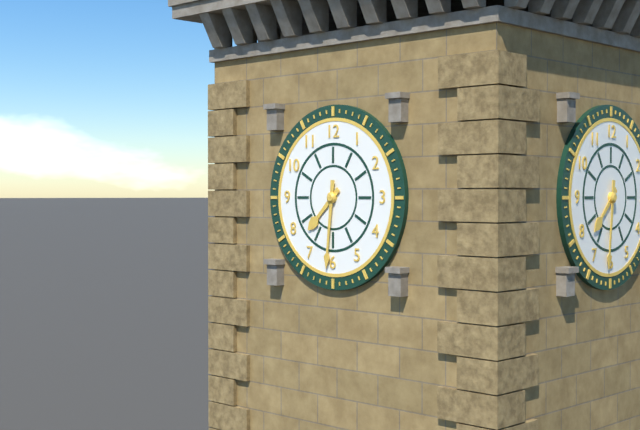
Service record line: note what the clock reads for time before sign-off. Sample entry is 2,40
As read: 7,31
